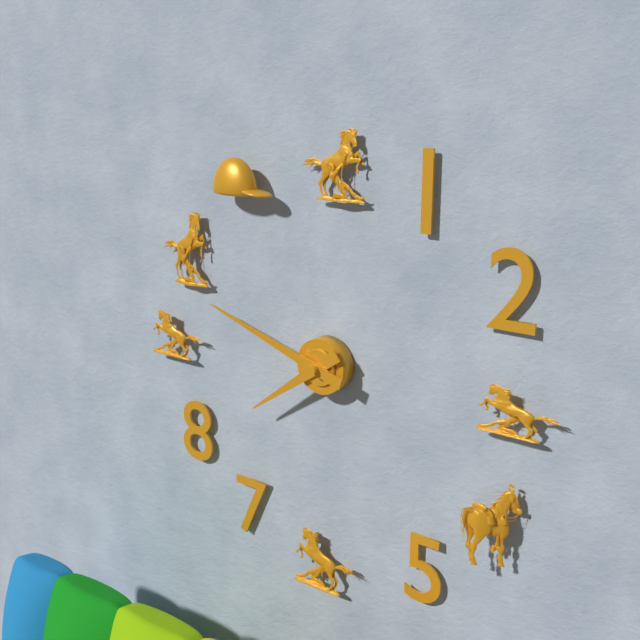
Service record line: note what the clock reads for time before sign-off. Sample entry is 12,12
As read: 7,48
